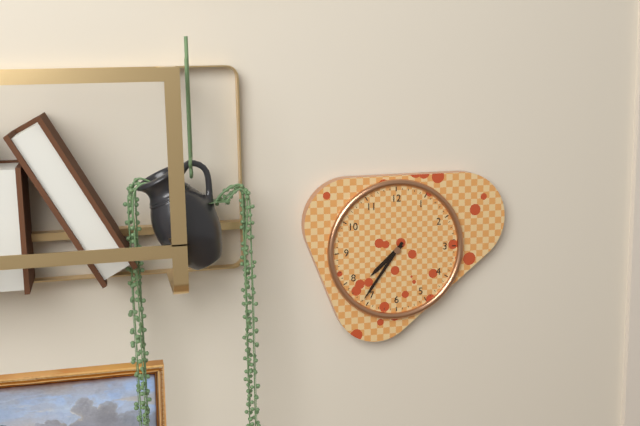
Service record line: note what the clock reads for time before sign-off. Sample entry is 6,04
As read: 7,36
